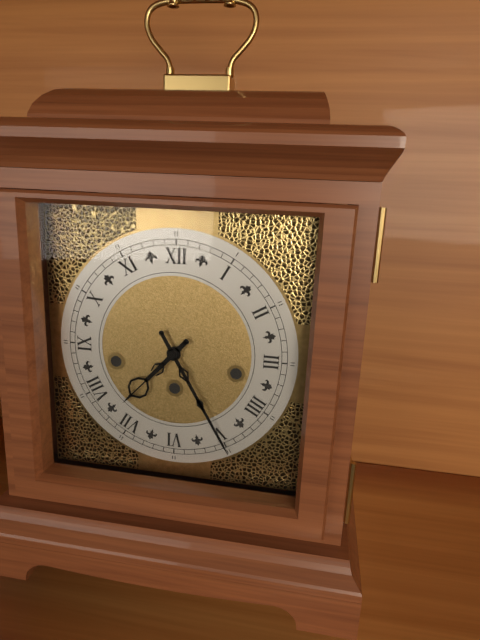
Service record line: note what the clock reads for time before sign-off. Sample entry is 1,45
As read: 7,25
